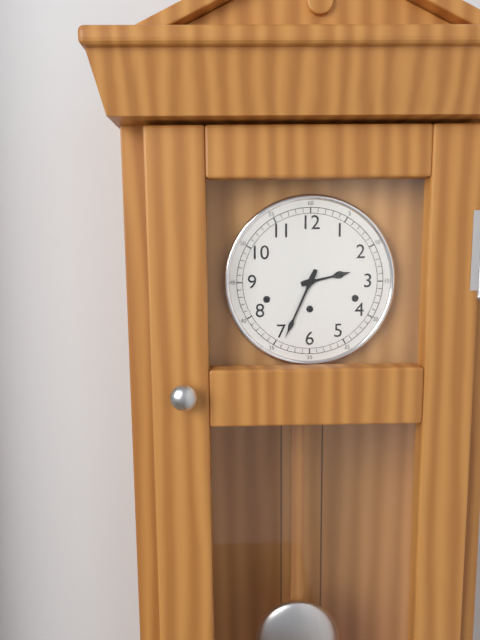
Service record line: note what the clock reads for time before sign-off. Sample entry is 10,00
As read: 2,34
